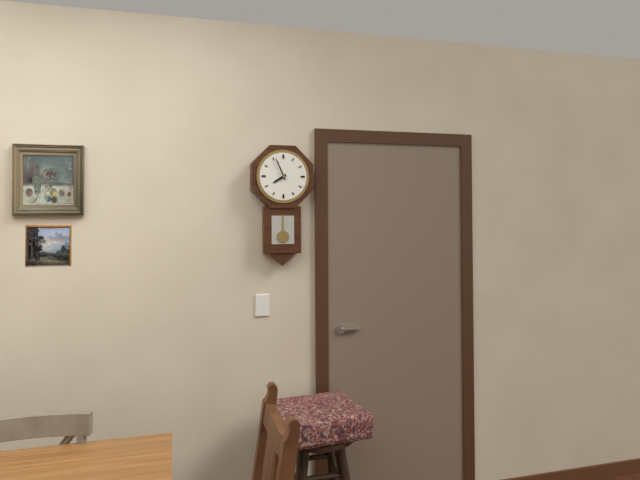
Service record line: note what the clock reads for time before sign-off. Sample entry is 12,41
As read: 7,56
